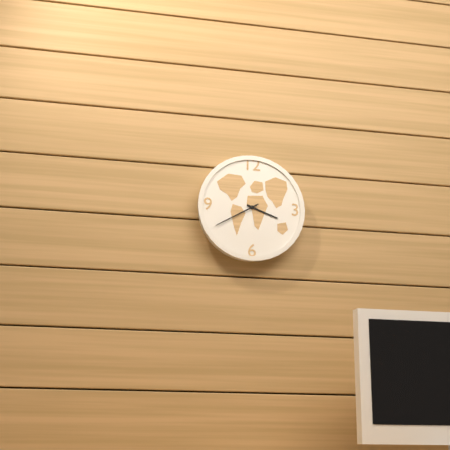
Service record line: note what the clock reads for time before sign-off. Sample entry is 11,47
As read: 3,40
